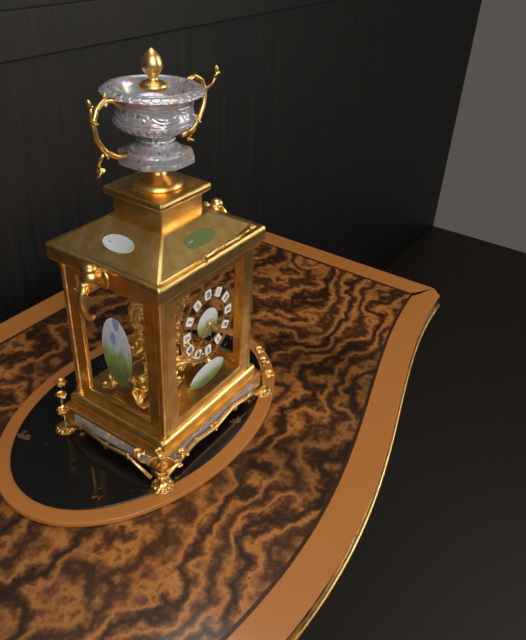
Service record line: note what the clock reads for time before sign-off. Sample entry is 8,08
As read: 4,37
